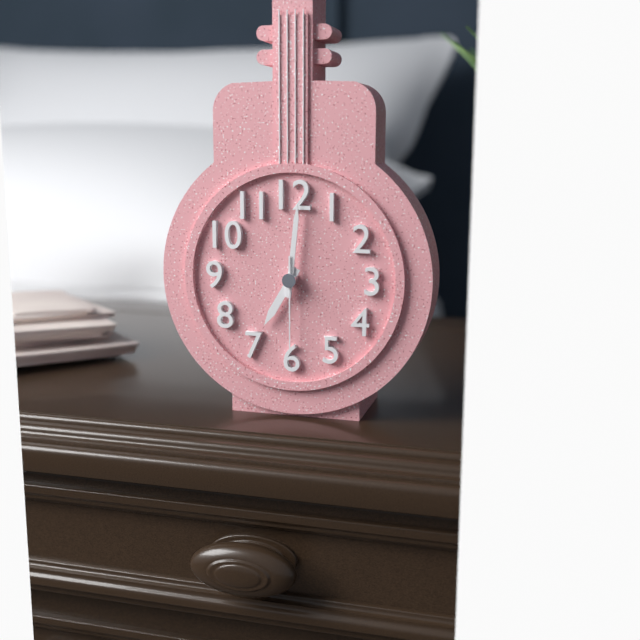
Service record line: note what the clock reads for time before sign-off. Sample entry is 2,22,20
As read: 7,01,30
